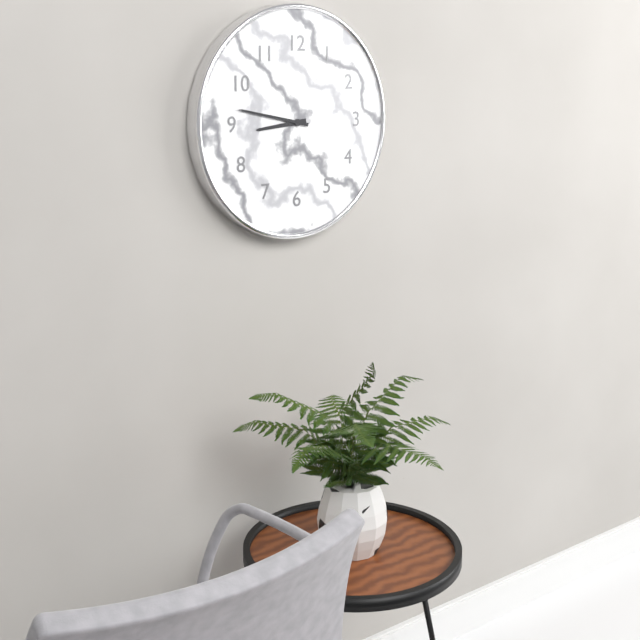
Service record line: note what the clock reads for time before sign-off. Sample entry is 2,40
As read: 8,47
